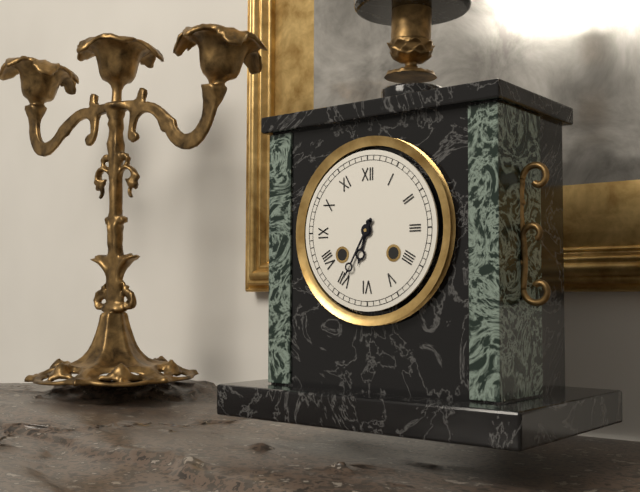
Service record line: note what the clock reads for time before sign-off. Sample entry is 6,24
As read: 6,35
